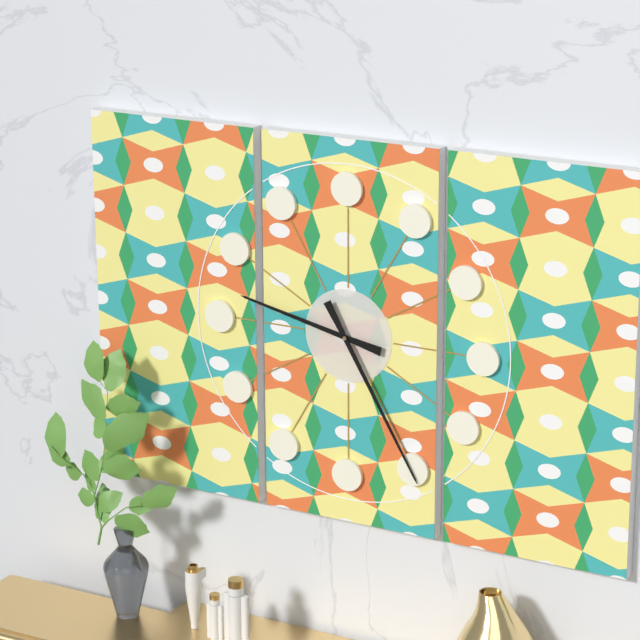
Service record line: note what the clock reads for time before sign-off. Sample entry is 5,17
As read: 9,25
